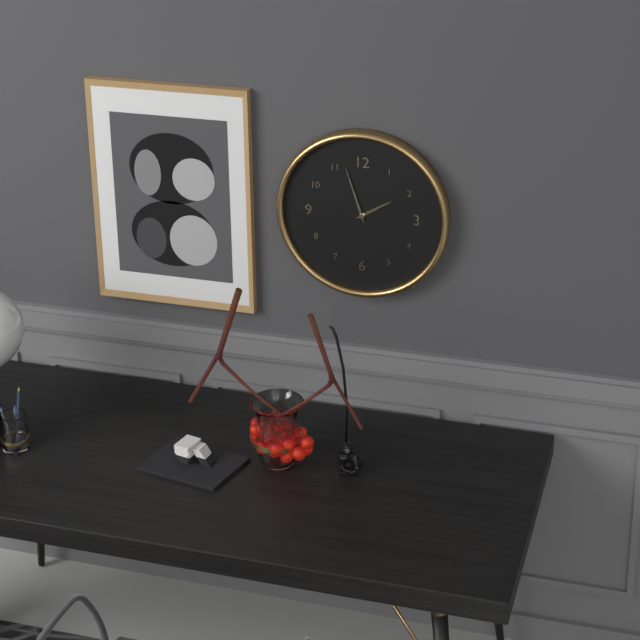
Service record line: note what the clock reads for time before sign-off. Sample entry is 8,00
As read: 1,57
